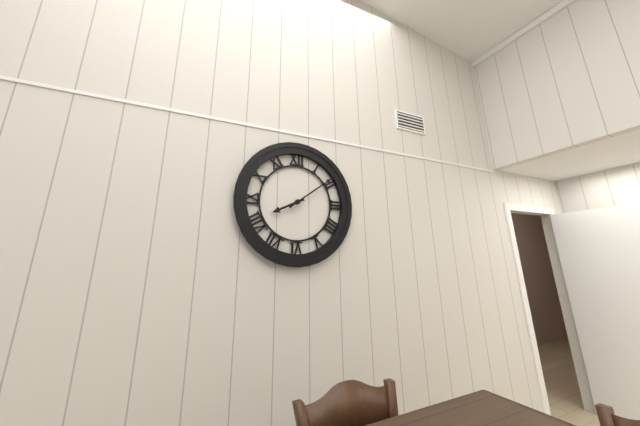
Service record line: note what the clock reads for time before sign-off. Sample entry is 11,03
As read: 8,09
